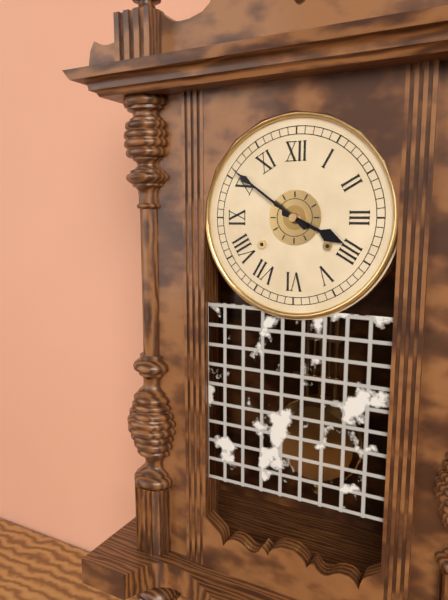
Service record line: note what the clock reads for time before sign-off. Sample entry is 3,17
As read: 3,51
